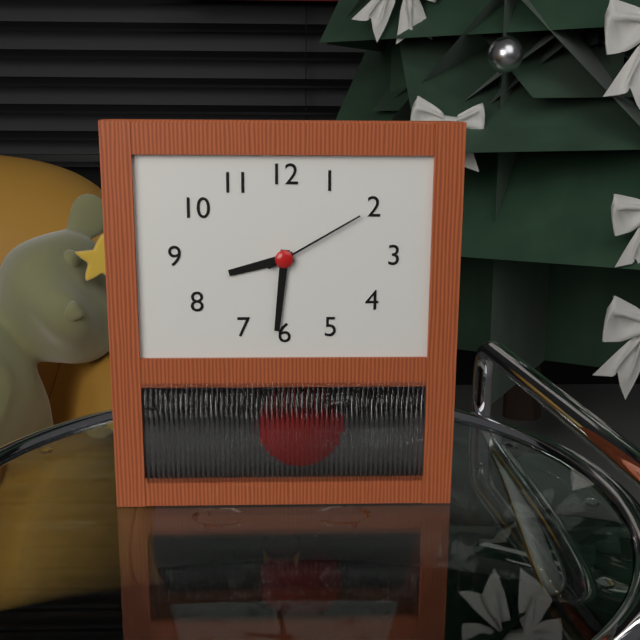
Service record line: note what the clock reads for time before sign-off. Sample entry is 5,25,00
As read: 8,31,10
